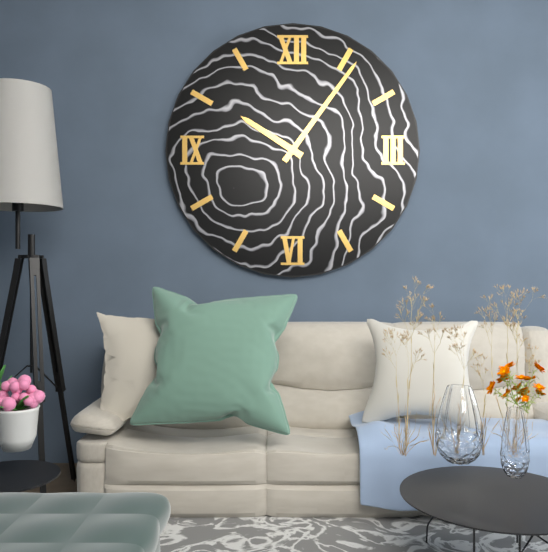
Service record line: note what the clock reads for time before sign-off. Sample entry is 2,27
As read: 10,06
